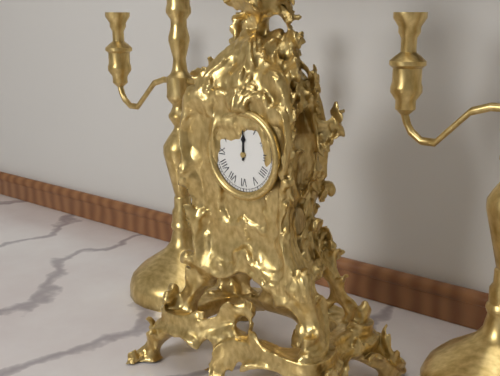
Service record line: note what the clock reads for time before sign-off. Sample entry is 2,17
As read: 12,00
